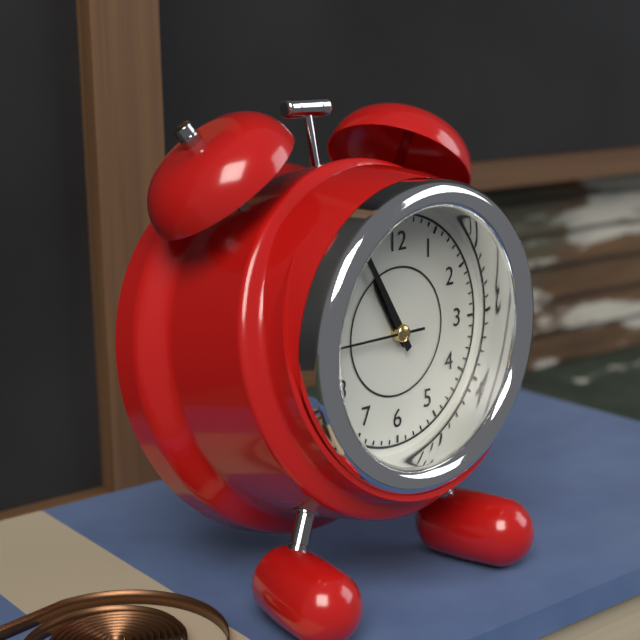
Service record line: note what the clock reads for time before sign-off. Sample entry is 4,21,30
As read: 10,55,45
